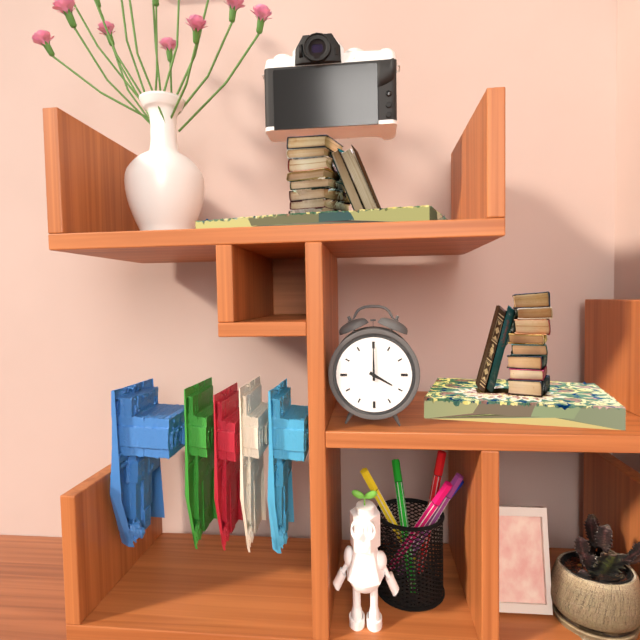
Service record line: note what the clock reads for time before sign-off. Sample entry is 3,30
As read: 4,00
